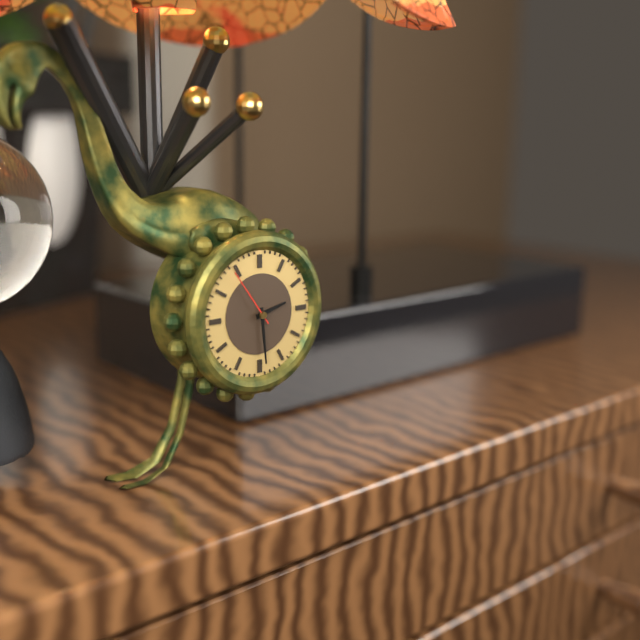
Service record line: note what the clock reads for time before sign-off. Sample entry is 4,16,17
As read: 2,29,54
